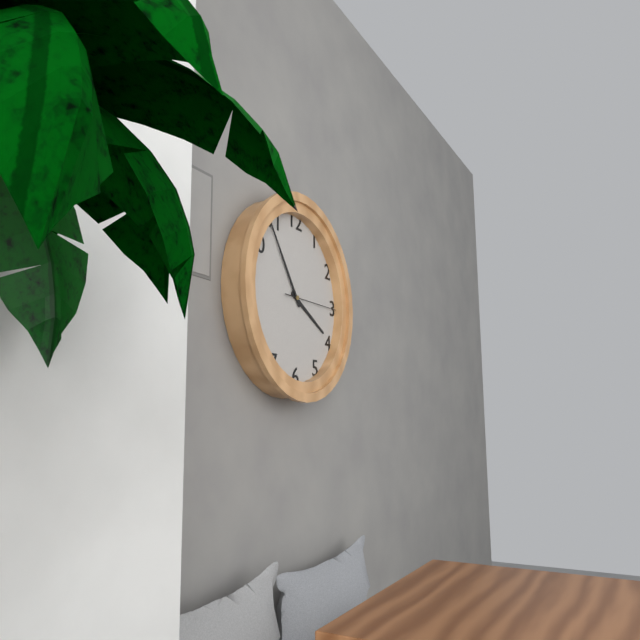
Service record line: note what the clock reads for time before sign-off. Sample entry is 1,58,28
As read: 3,54,15
